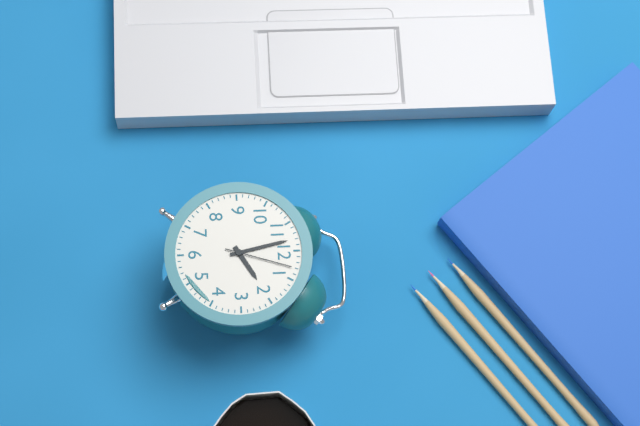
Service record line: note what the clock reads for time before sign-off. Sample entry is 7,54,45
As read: 1,58,03
